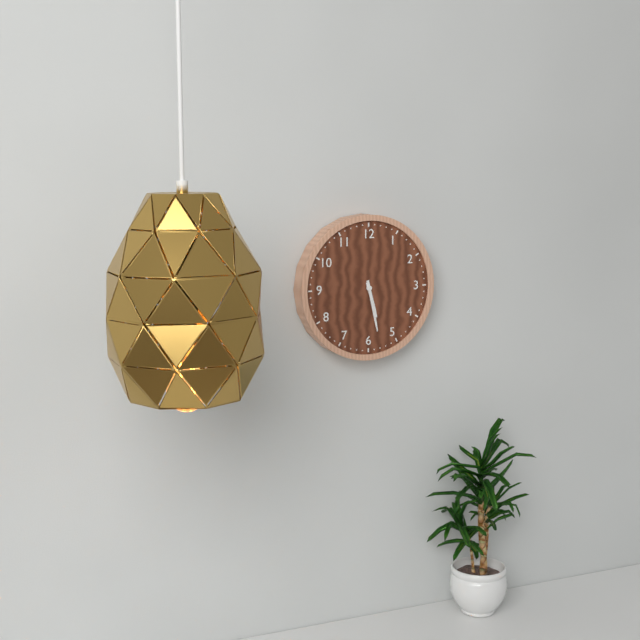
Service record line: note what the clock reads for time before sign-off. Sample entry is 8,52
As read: 5,28
